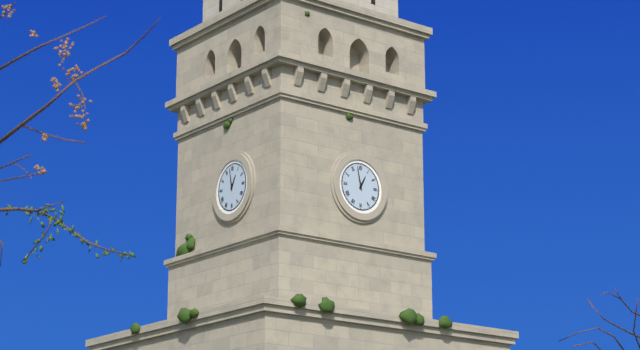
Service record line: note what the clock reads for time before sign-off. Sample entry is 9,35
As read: 12,58
